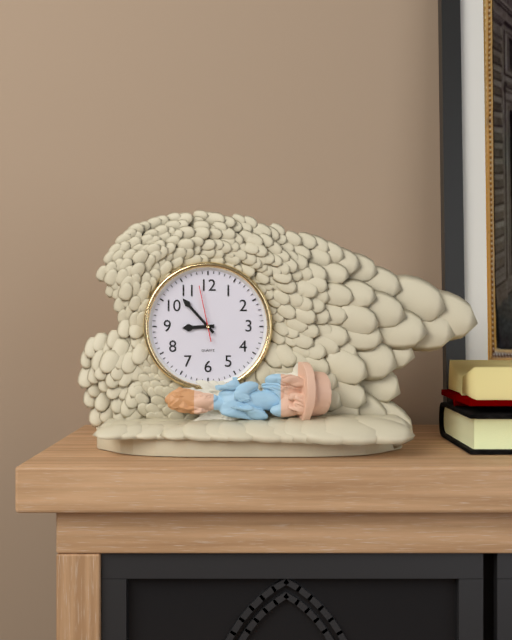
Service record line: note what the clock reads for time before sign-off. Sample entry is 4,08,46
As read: 8,53,58
